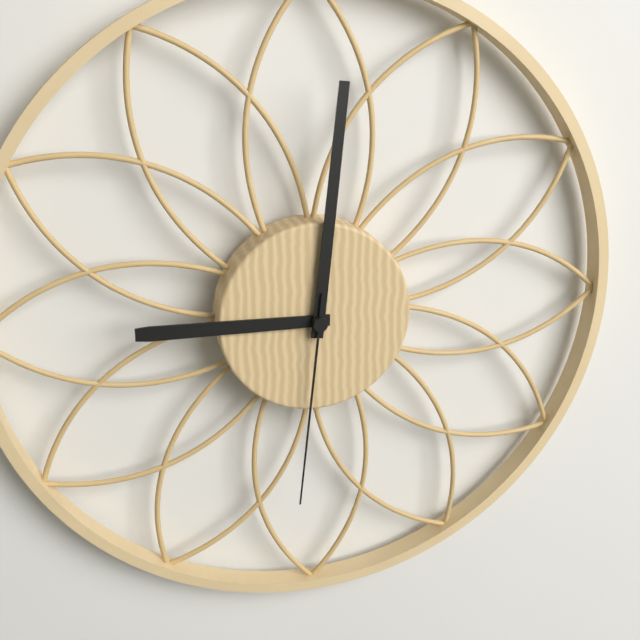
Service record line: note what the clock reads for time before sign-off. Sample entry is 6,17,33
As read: 9,01,31
